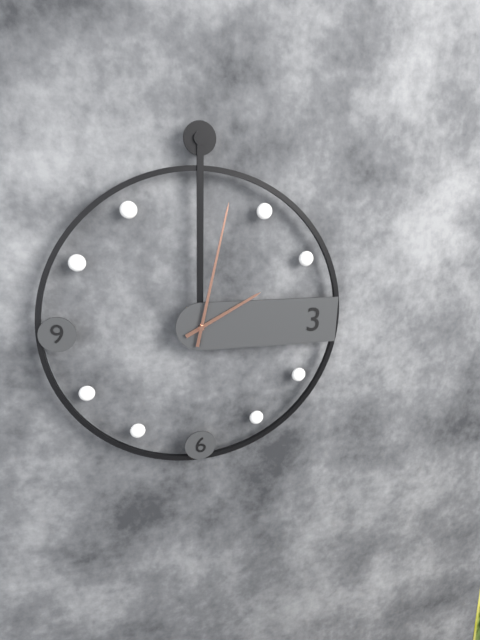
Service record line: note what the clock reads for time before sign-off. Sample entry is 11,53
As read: 2,02
